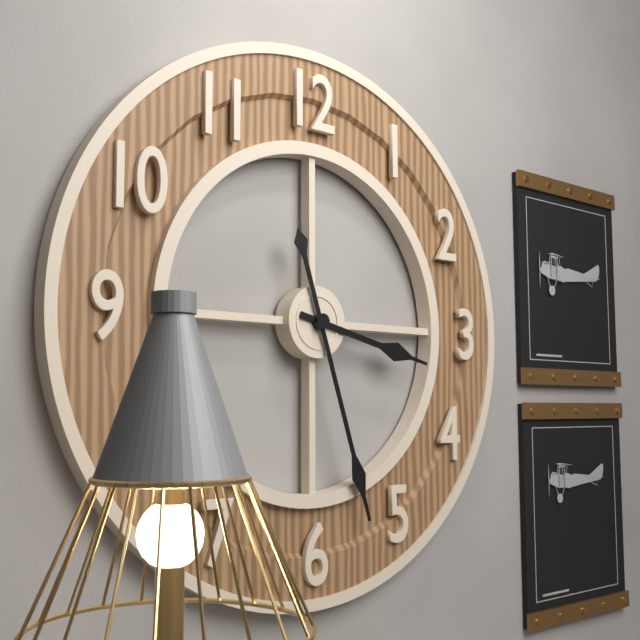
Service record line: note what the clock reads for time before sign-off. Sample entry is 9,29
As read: 3,27
